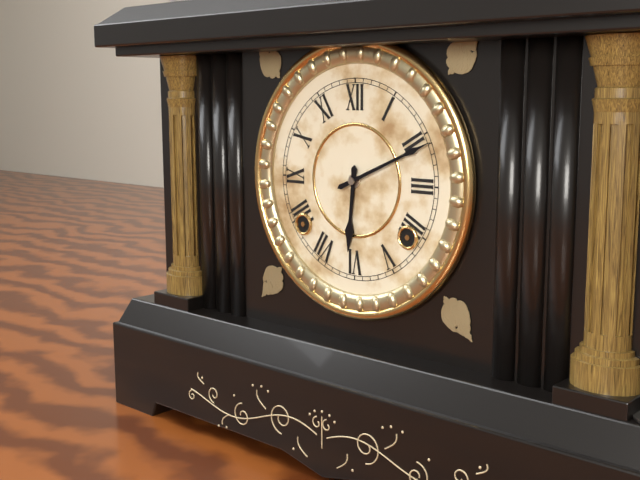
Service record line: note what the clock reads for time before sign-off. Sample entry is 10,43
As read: 6,11
